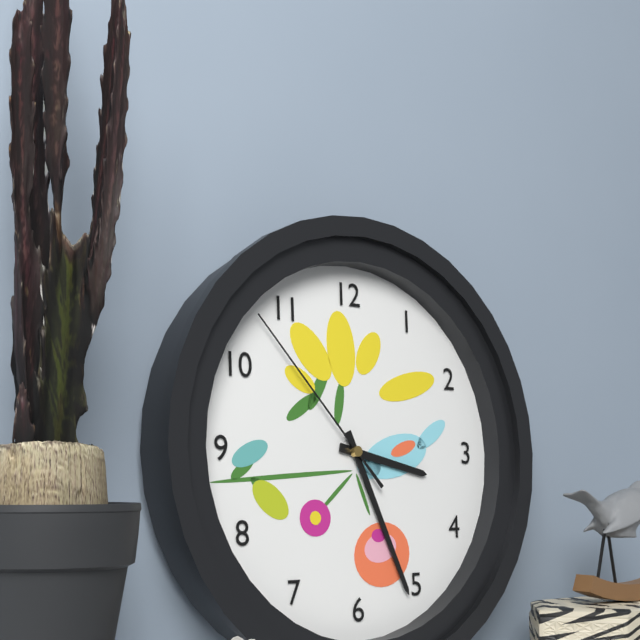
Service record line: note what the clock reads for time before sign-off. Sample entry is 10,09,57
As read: 3,26,53
